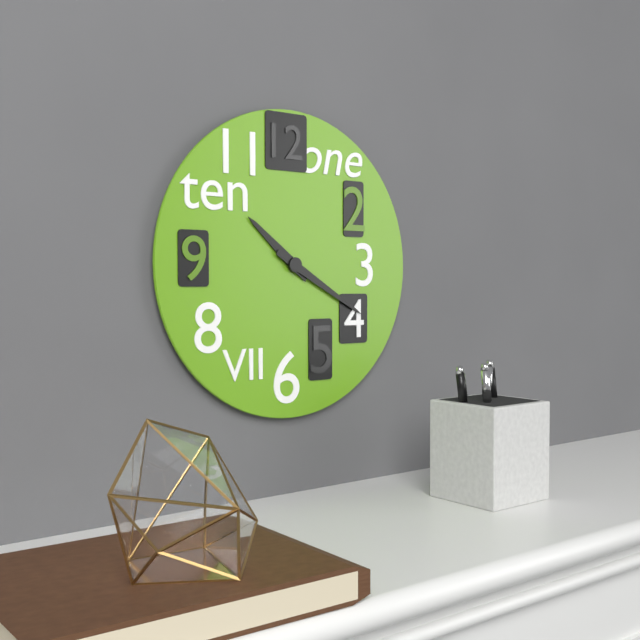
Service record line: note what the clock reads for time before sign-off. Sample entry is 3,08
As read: 10,20
